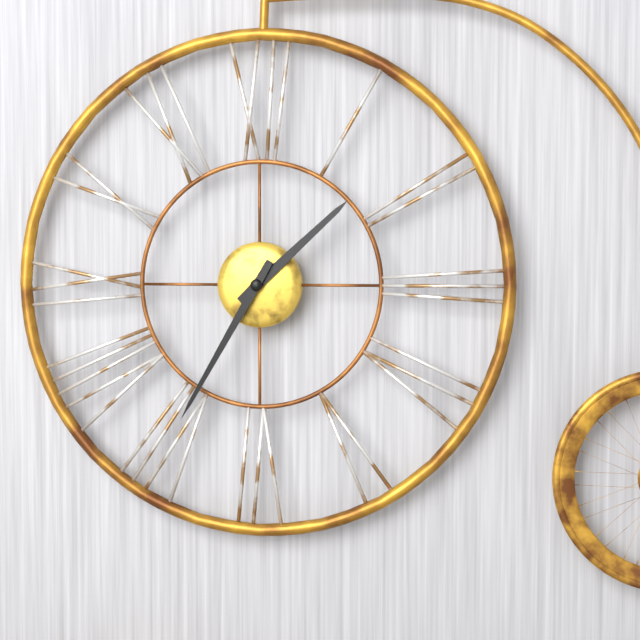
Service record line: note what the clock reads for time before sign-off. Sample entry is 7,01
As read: 1,35
